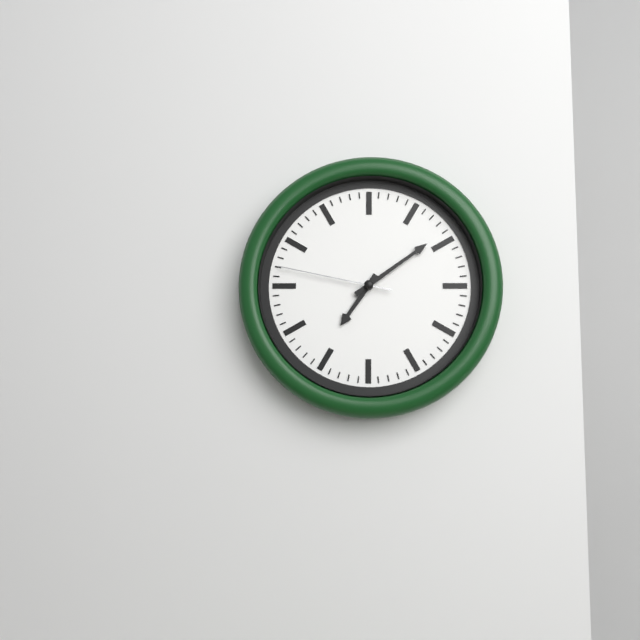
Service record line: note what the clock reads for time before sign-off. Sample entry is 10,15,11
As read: 7,09,47
